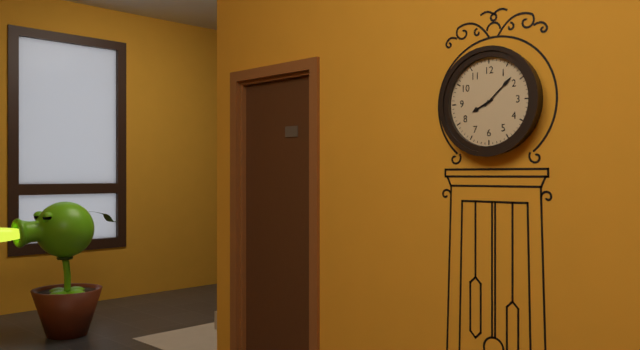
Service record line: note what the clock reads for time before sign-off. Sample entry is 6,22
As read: 8,08
